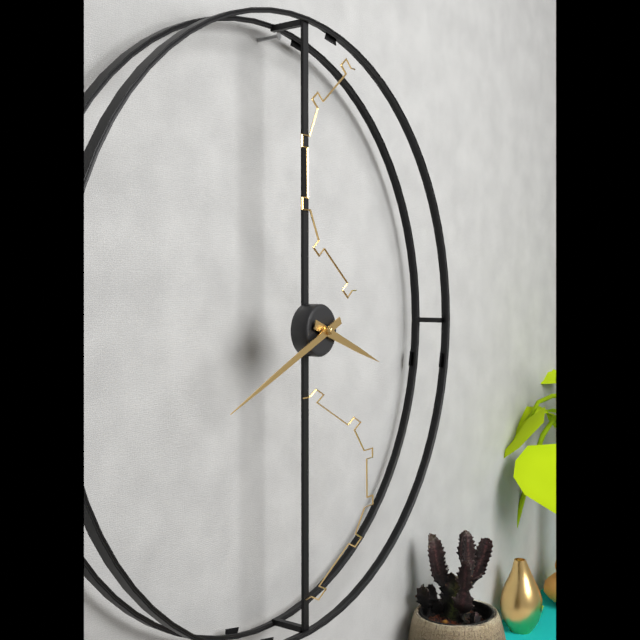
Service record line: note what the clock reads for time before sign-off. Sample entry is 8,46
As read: 3,41
